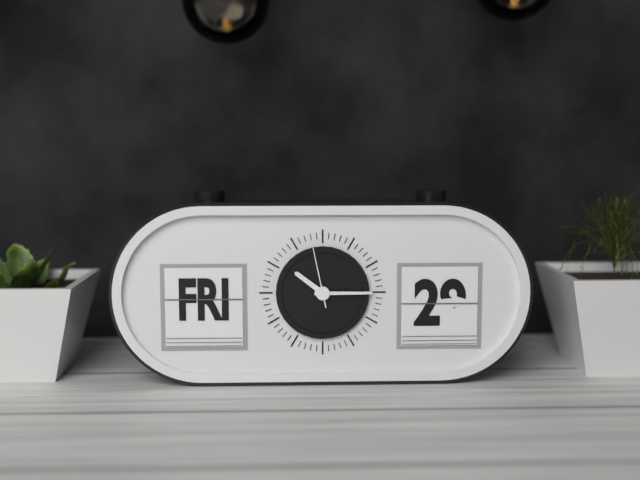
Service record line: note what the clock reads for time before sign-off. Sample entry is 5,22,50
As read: 10,15,58
